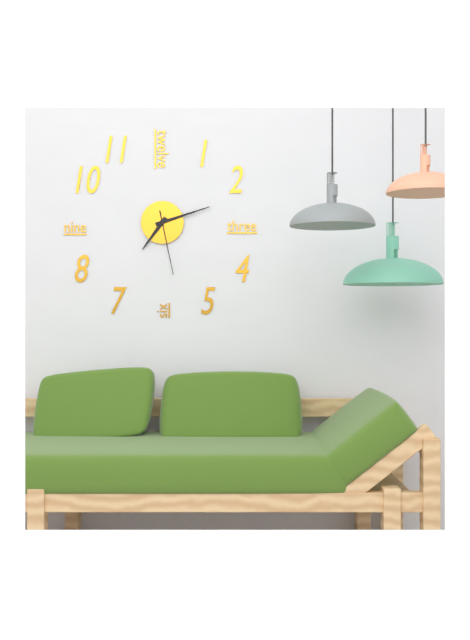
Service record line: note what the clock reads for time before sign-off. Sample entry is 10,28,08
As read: 7,12,28
